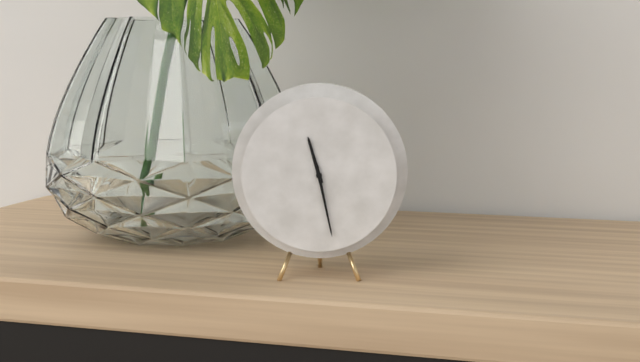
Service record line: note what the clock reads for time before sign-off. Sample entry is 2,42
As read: 11,28
